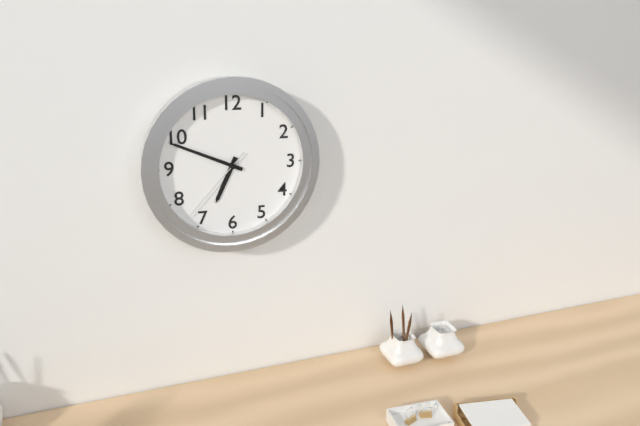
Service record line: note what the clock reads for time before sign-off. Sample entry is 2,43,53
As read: 6,49,37
